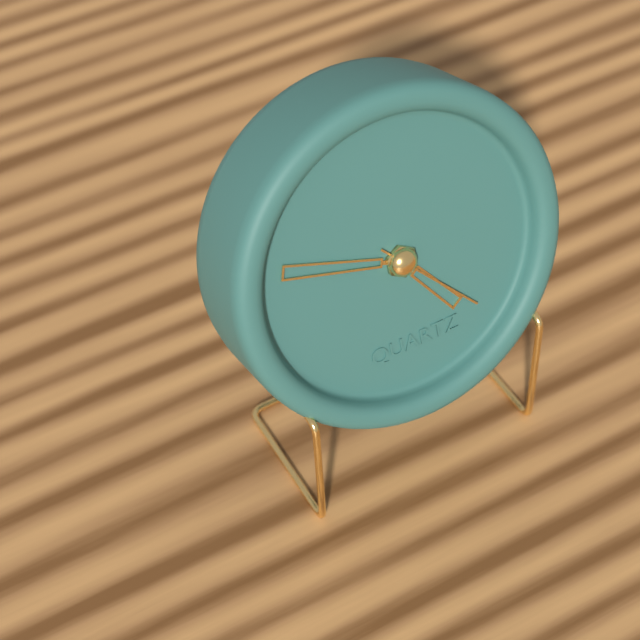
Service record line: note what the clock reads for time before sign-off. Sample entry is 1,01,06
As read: 4,48,23
